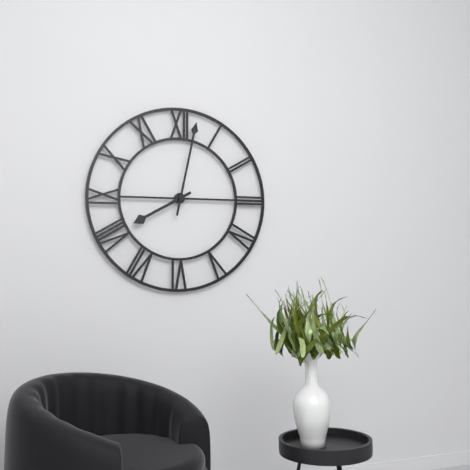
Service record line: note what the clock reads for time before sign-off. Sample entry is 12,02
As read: 8,02
